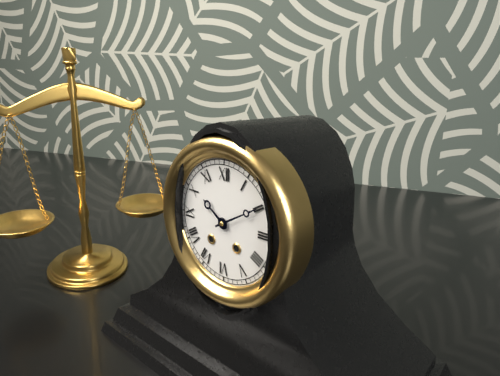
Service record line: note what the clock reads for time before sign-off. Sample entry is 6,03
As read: 10,10
